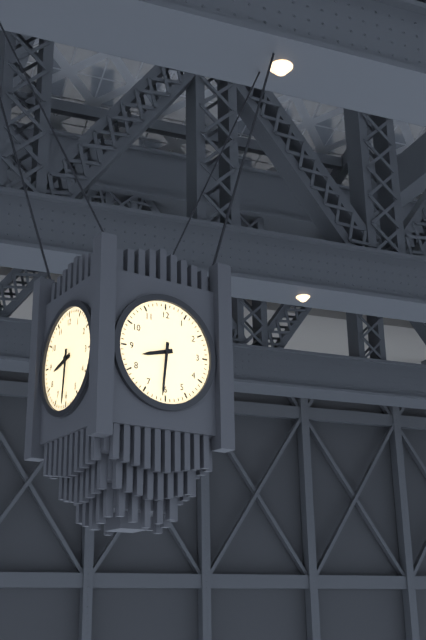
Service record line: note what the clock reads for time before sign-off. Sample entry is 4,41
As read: 8,31
